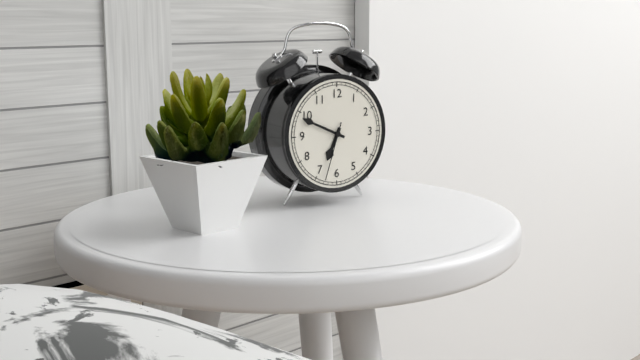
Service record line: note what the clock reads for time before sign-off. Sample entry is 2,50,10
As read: 6,49,33
